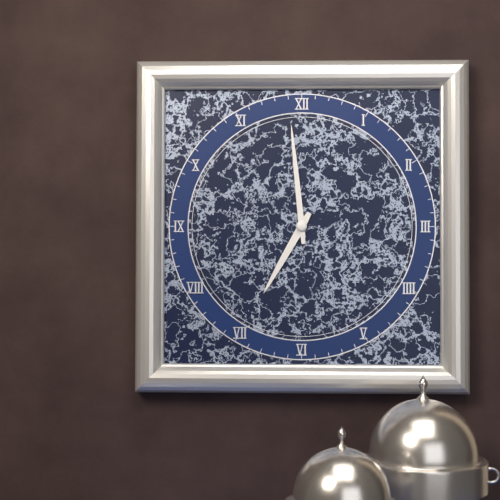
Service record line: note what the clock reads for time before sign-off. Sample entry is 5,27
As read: 6,59
